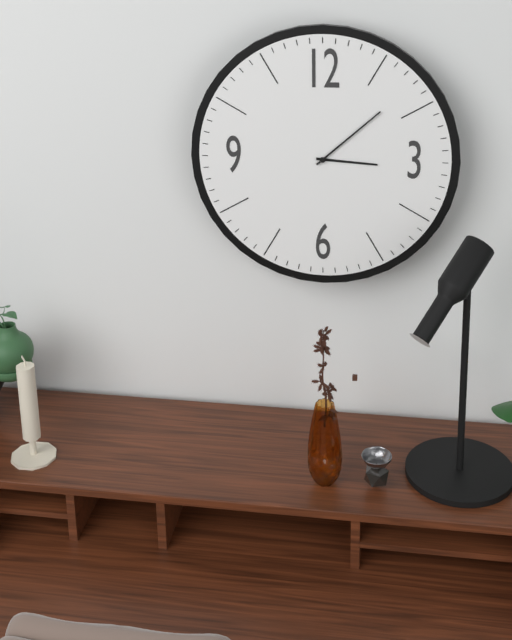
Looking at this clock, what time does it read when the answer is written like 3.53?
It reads 3.08
